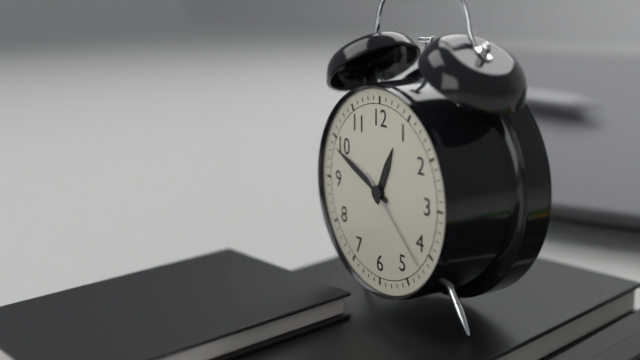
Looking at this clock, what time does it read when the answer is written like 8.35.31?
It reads 12.49.22
